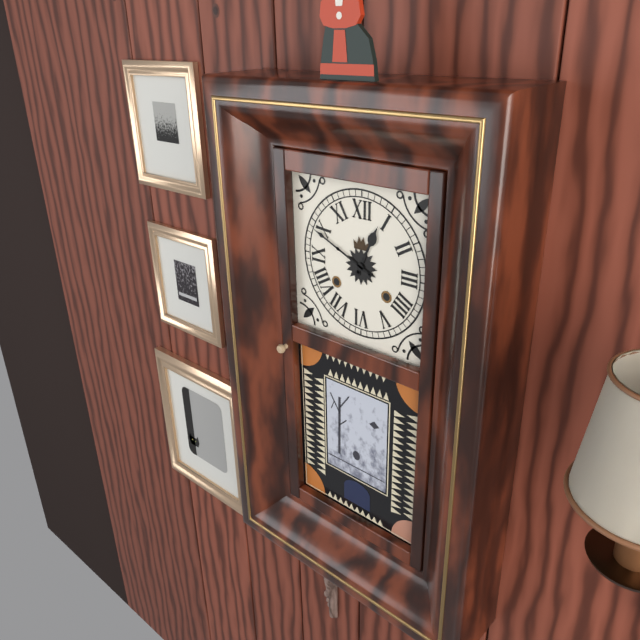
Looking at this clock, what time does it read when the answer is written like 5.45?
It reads 12.49
